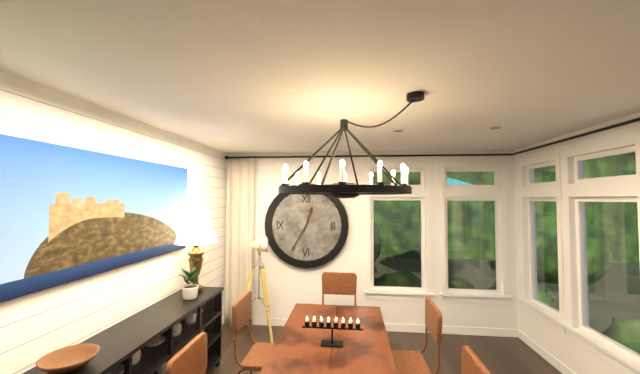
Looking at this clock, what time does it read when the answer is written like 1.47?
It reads 12.35
